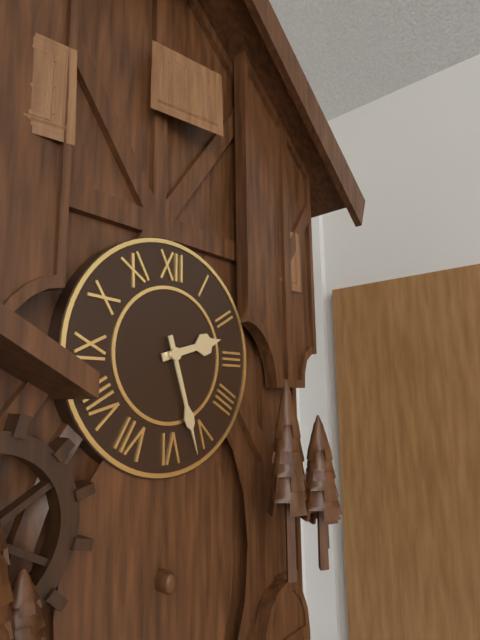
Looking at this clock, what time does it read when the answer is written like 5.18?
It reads 2.27
